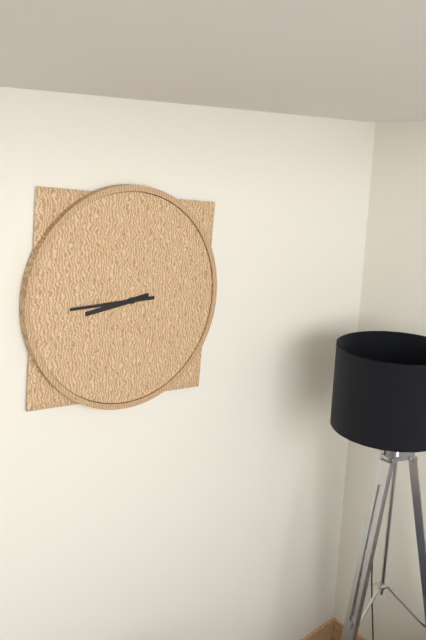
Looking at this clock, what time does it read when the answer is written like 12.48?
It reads 8.45
